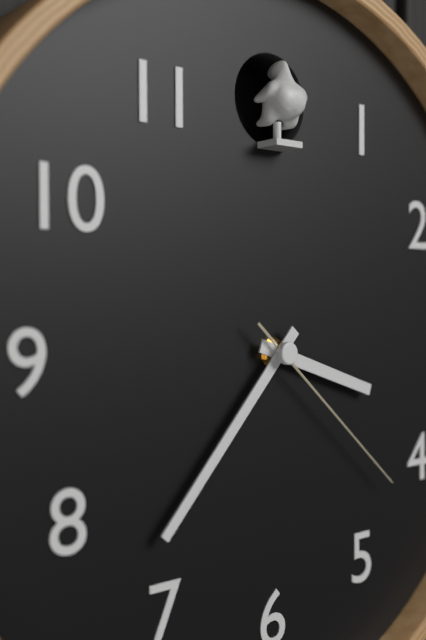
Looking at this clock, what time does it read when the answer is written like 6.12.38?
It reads 3.37.22
